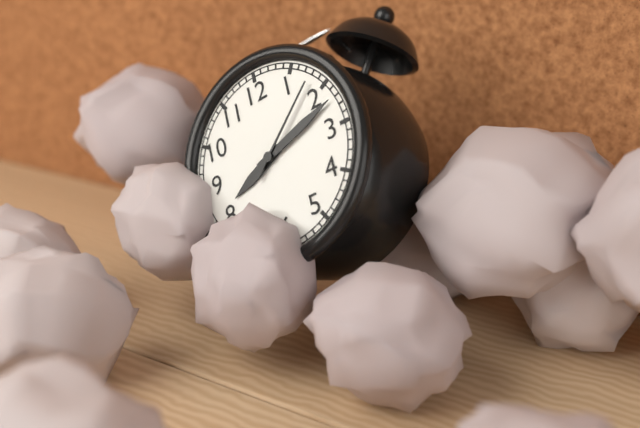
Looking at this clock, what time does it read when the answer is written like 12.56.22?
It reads 8.12.08
